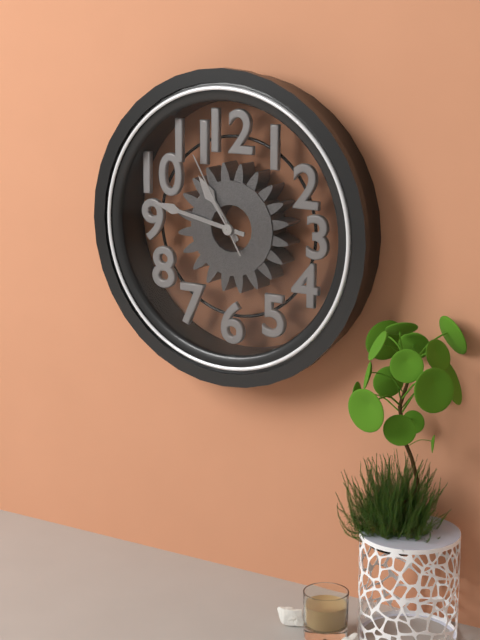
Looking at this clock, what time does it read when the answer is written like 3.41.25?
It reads 10.47.55
